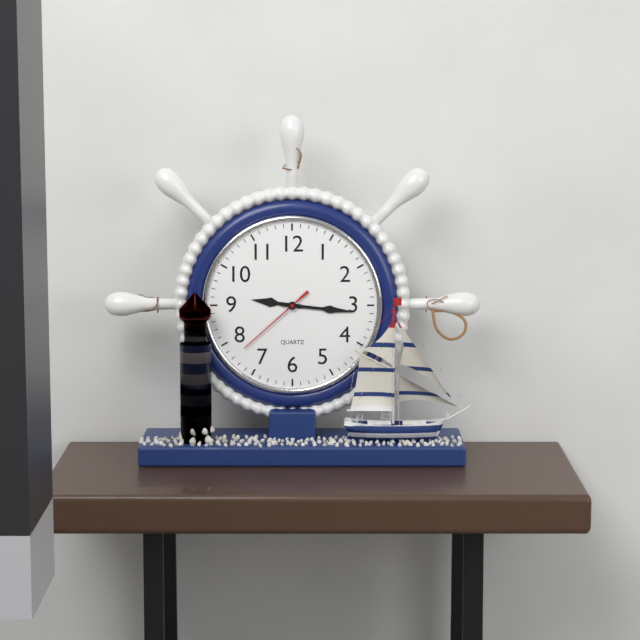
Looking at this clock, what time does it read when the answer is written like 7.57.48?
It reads 9.16.38
